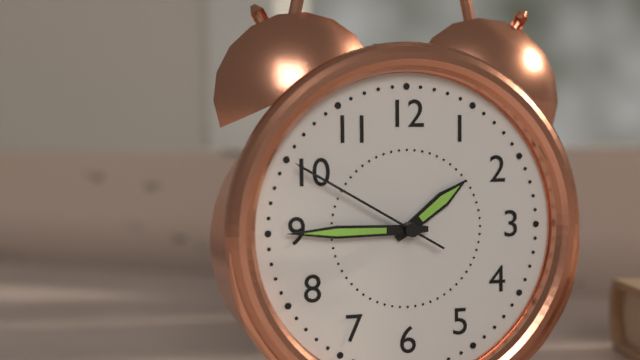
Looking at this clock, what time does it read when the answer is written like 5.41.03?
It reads 1.45.50
